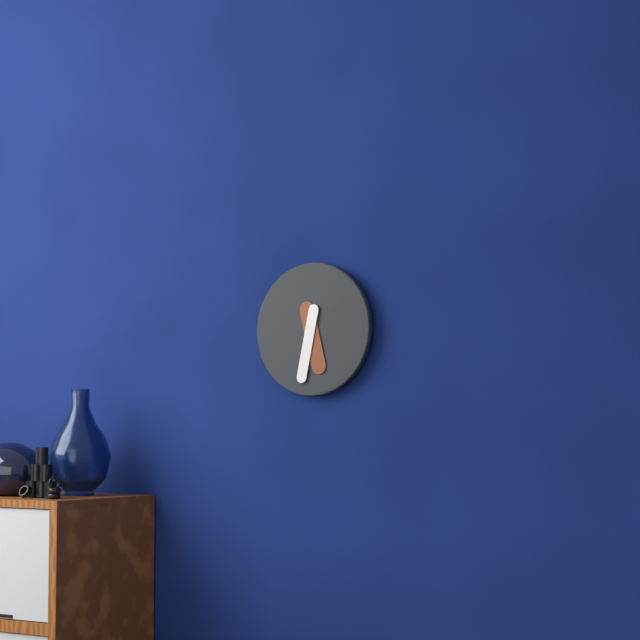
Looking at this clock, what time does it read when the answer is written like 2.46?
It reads 5.32
